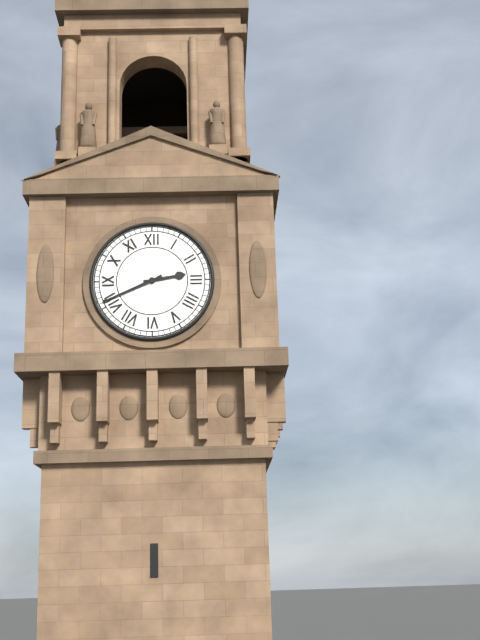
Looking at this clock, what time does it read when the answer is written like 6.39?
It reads 2.41
